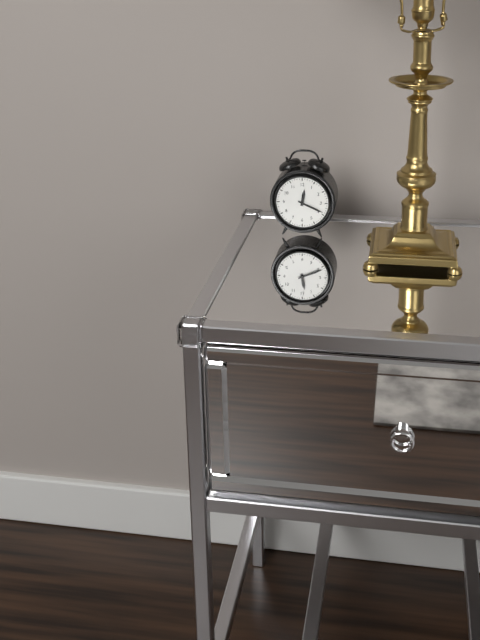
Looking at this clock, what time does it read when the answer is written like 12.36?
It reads 12.19
